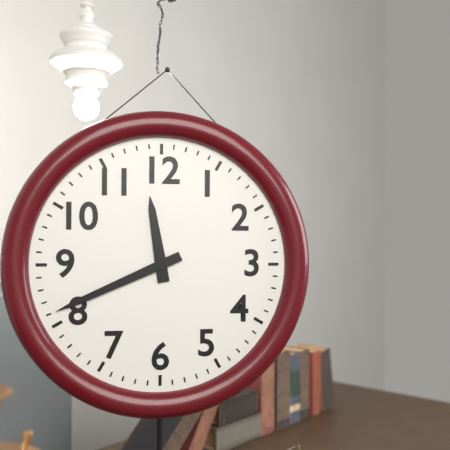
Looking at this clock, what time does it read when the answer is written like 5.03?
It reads 11.41
